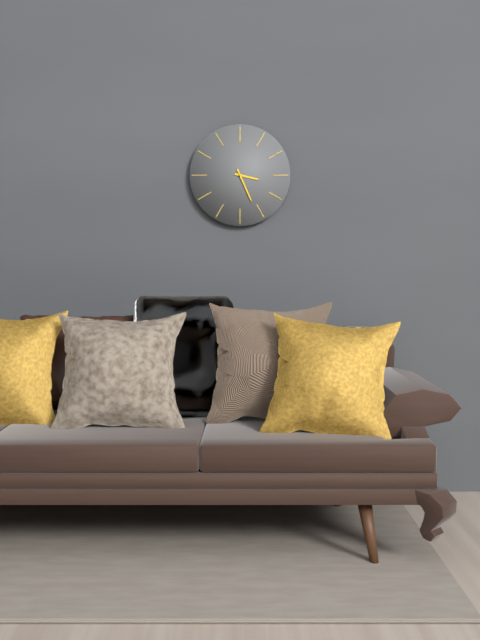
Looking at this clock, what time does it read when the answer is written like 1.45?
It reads 3.26
